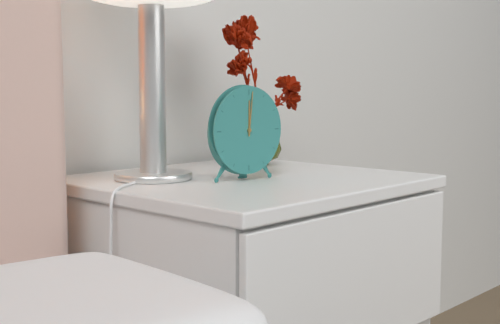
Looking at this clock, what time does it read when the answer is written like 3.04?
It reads 12.01
